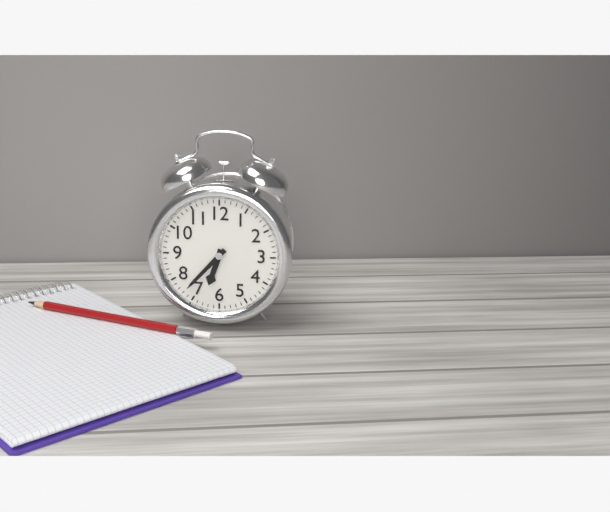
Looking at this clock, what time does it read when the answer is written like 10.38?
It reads 6.37
